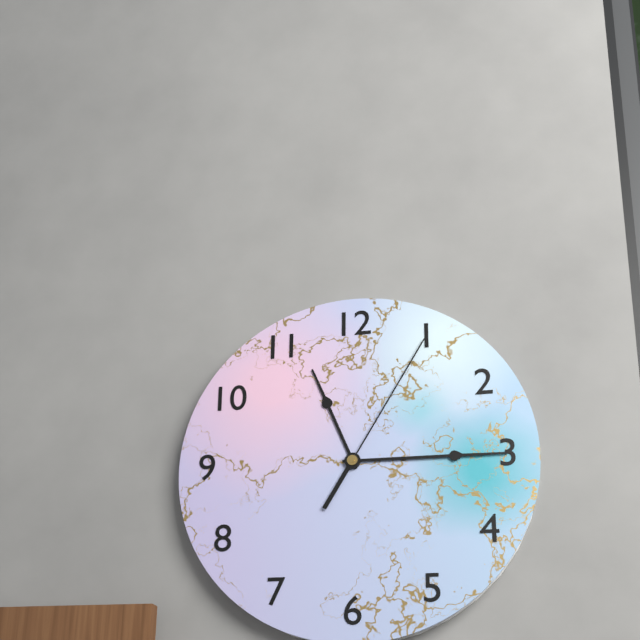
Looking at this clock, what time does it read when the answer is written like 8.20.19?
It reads 11.15.05
